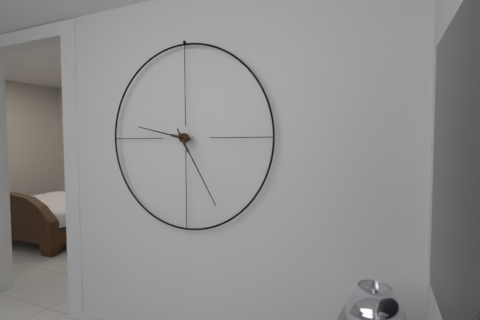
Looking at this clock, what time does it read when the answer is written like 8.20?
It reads 9.25
